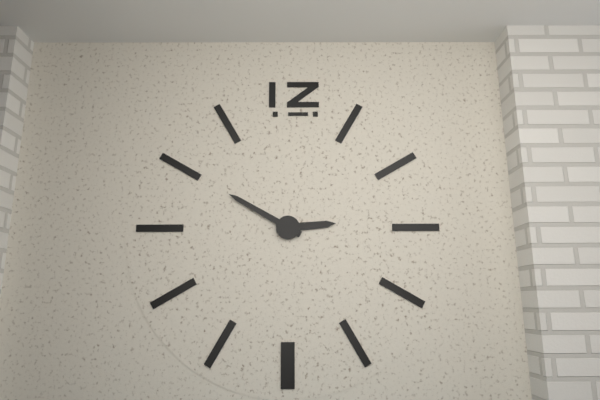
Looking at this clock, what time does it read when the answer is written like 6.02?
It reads 2.50
